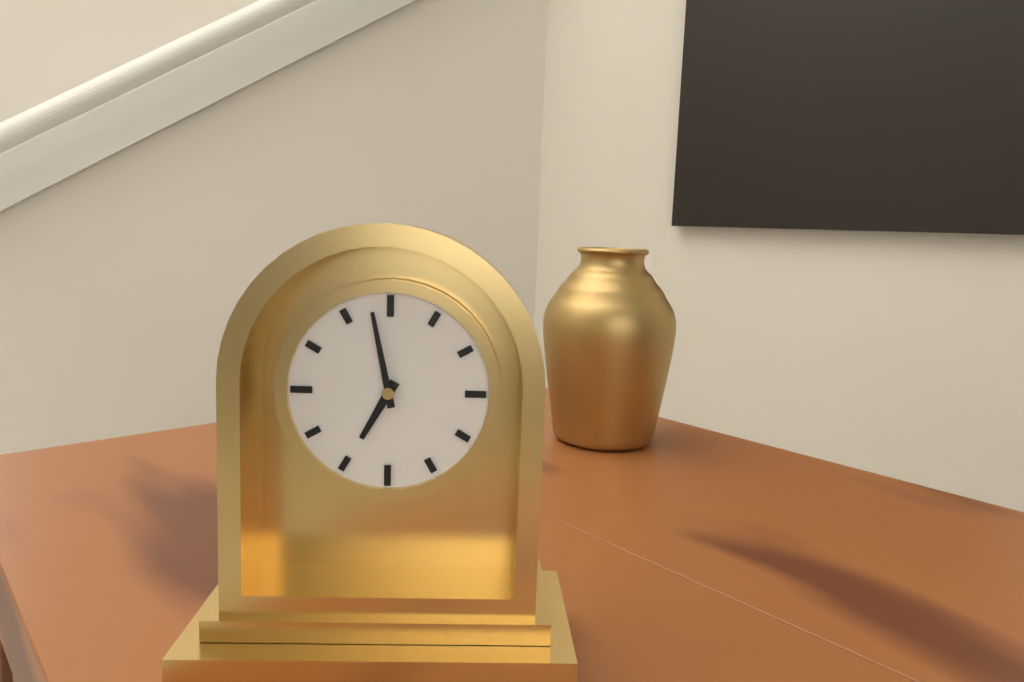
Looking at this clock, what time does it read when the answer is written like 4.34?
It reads 6.58
